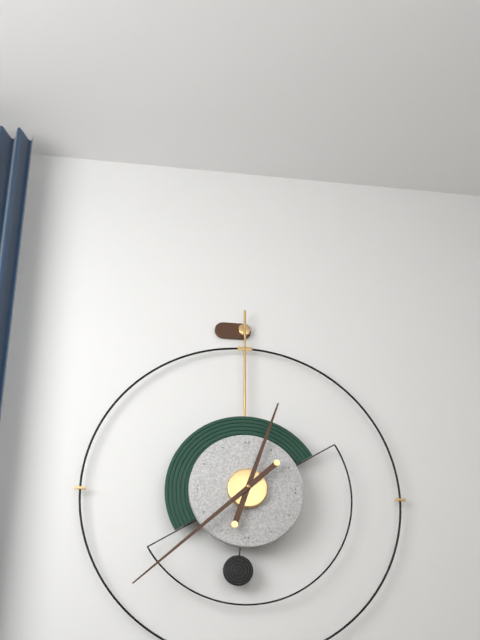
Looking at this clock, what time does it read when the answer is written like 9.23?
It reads 12.38
